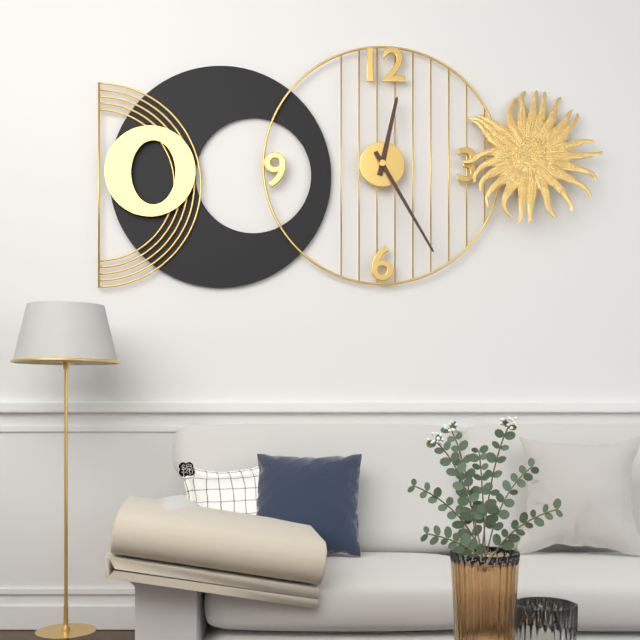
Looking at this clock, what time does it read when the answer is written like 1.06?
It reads 12.25
